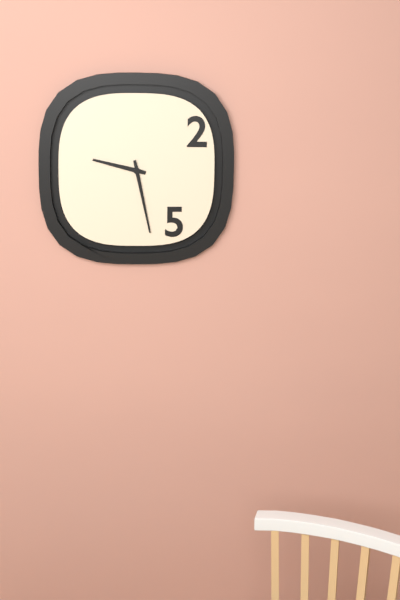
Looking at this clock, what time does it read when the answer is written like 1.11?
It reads 9.28
